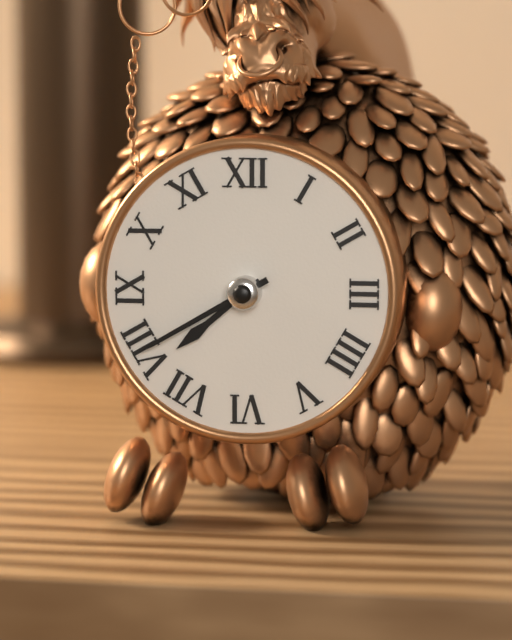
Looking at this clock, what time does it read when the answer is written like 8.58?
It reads 7.40
